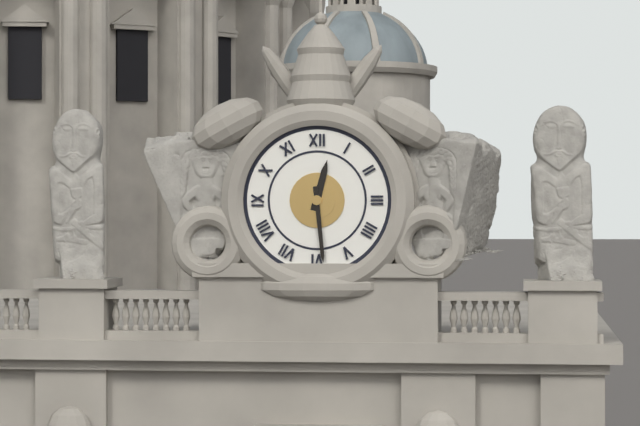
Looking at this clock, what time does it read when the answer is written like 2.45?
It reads 12.29
